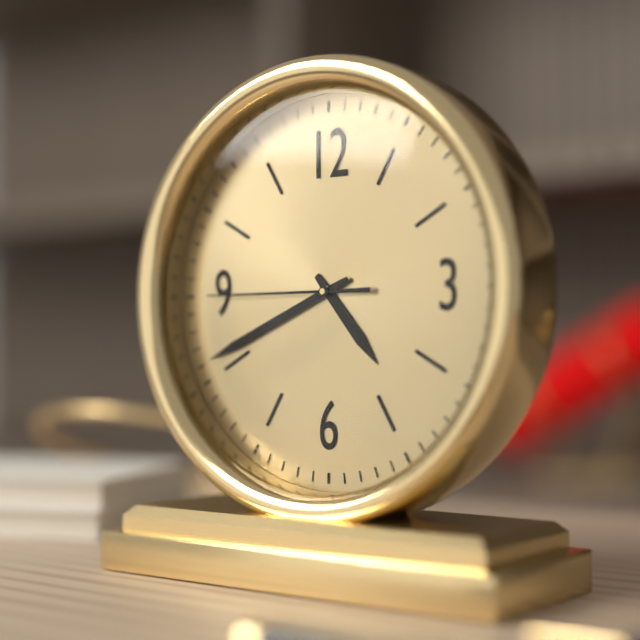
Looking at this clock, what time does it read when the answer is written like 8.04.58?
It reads 4.41.45
